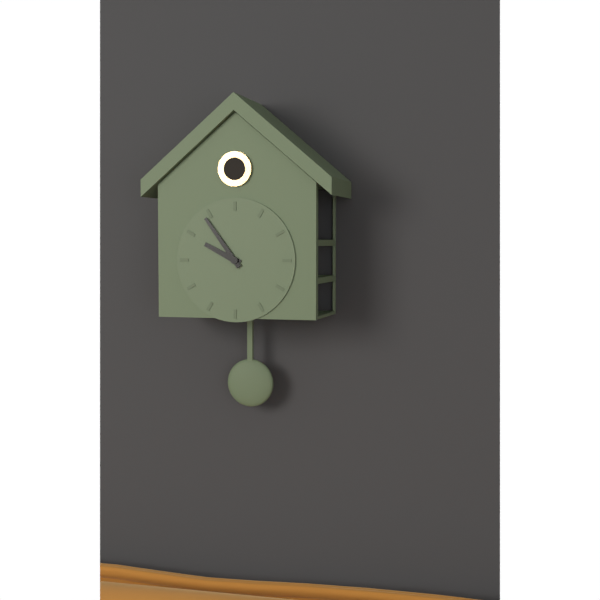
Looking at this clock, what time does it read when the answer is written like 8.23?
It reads 9.54
